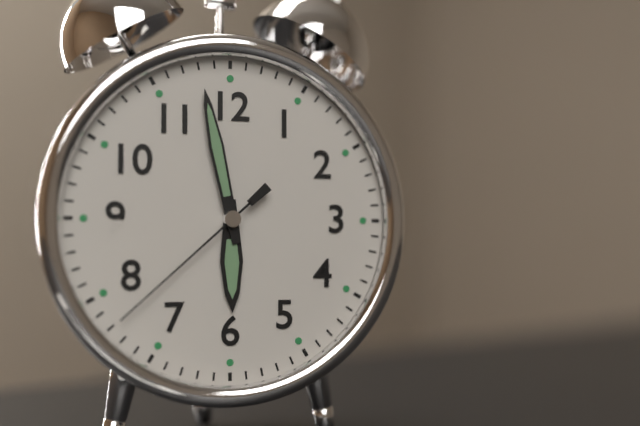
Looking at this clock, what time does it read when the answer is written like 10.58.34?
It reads 5.58.38
